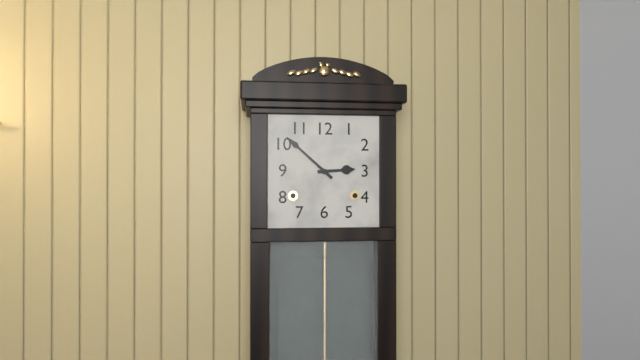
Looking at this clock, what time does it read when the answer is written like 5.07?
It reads 2.52
